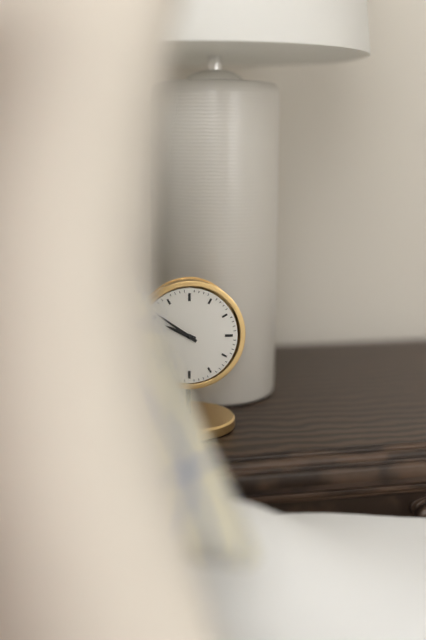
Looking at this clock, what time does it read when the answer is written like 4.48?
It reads 9.51
